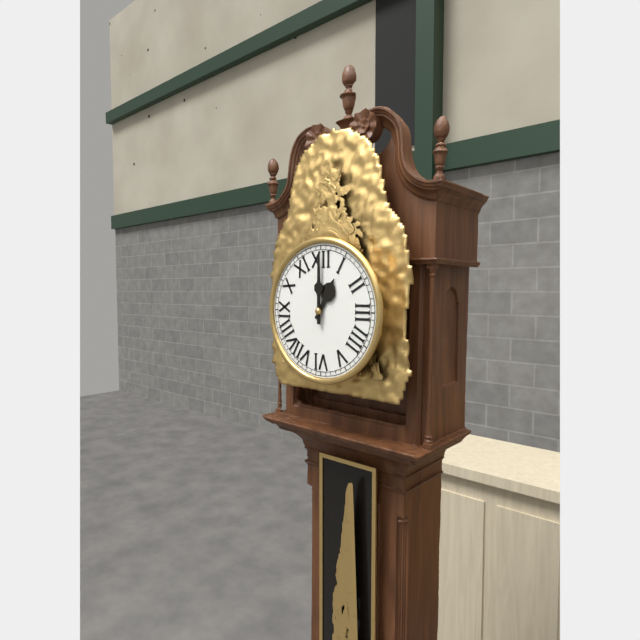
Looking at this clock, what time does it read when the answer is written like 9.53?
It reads 1.00
